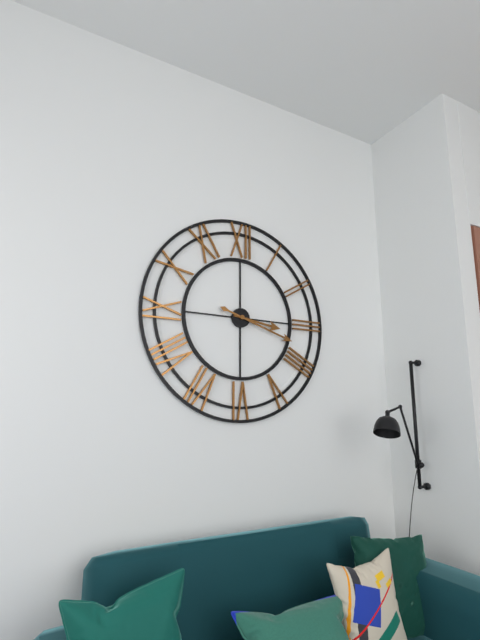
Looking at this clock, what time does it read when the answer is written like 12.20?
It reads 3.18
